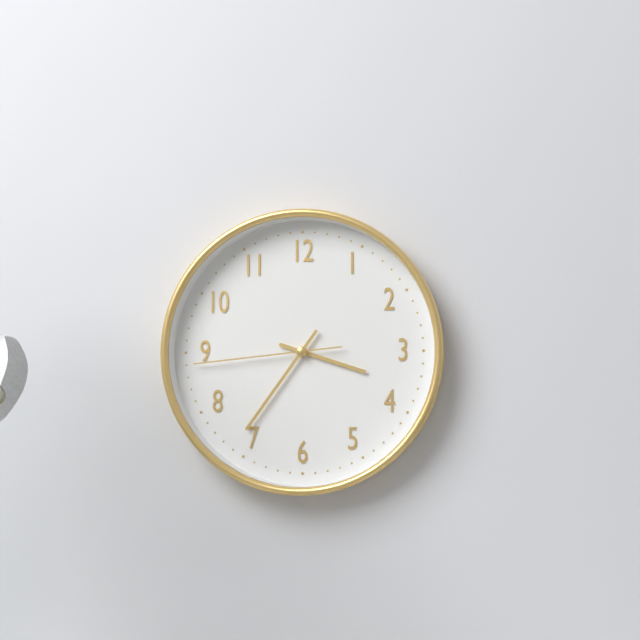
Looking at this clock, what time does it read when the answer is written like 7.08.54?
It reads 3.36.44
